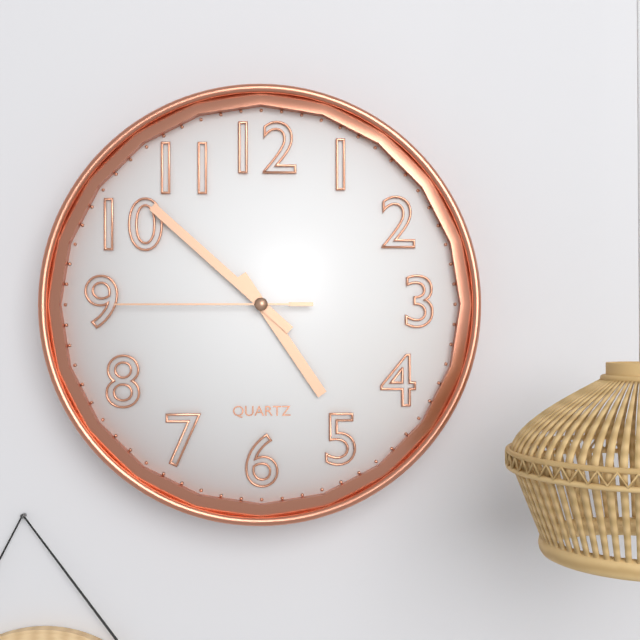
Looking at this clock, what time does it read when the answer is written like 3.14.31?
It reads 4.52.45
